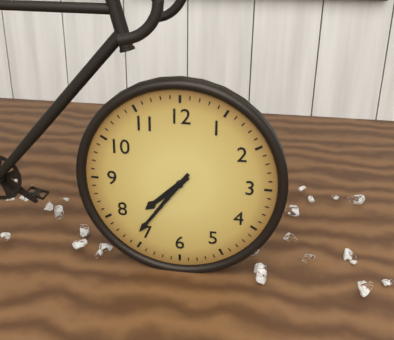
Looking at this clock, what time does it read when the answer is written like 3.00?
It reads 7.36
